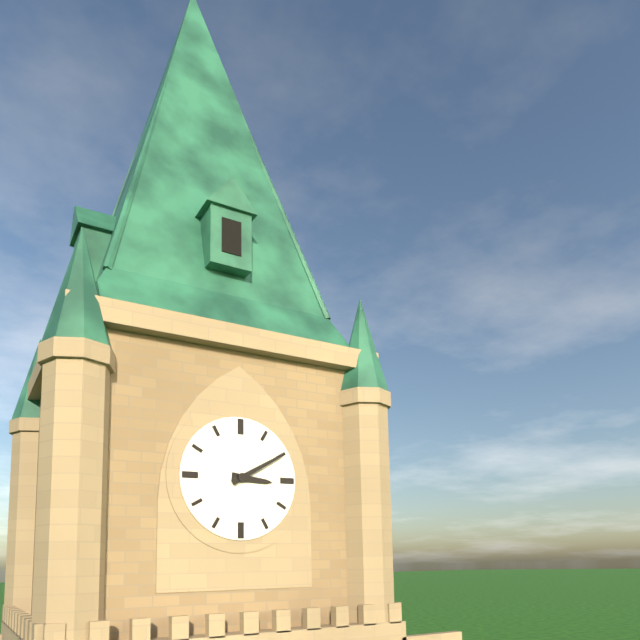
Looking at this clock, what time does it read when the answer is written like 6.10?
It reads 3.10
